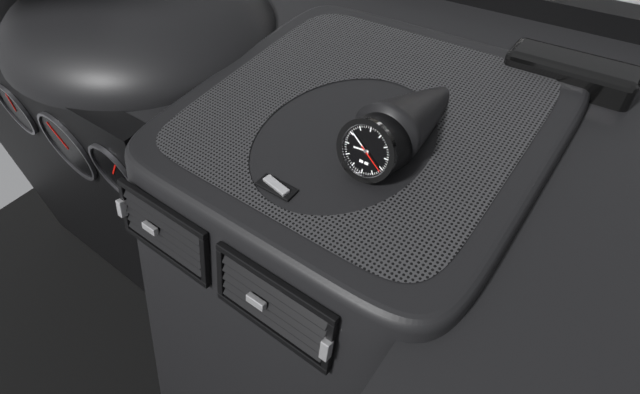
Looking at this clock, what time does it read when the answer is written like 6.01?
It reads 8.51
